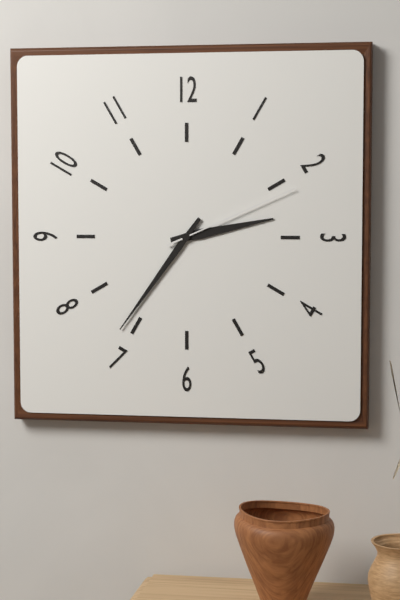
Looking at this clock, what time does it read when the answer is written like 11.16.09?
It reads 2.36.11
